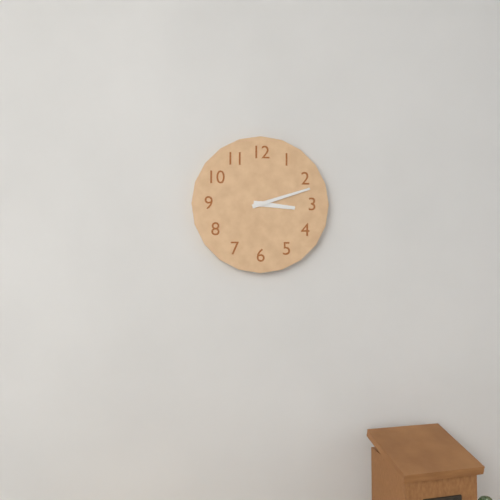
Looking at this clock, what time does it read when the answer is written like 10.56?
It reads 3.12
